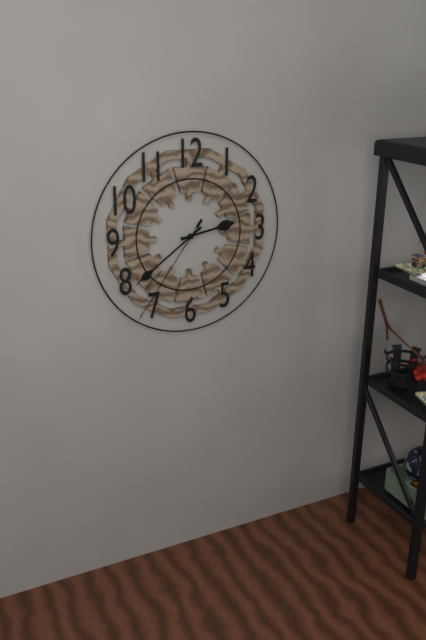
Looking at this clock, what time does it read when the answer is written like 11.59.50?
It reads 2.39.36
